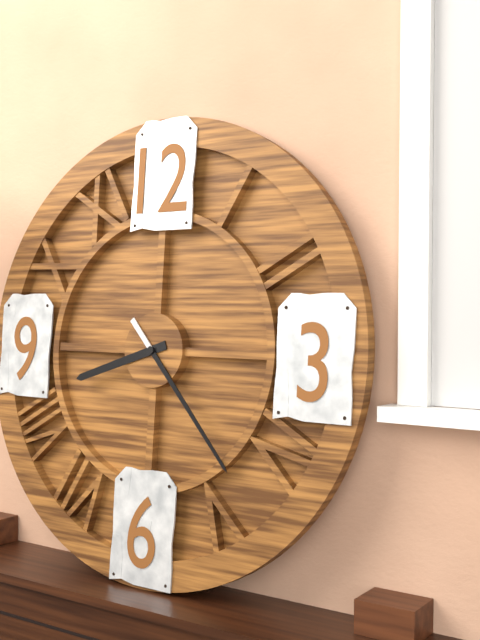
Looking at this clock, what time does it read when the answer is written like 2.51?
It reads 8.23
